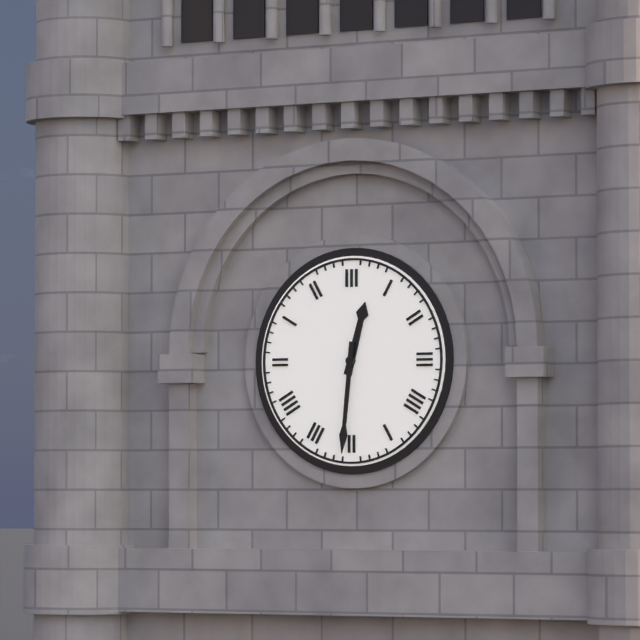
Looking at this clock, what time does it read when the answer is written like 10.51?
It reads 12.31
